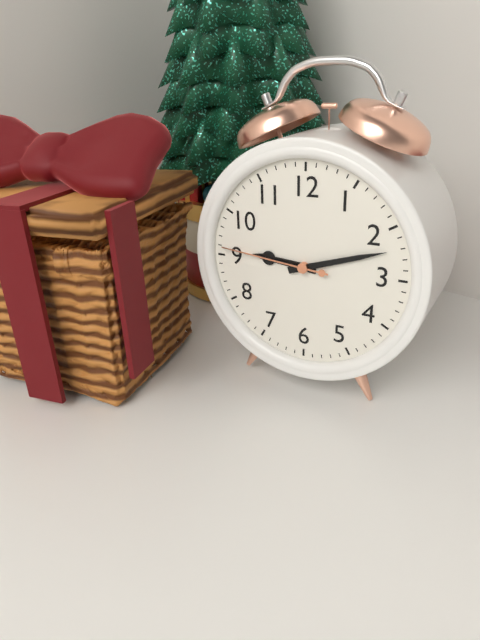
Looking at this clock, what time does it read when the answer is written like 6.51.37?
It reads 9.12.46
